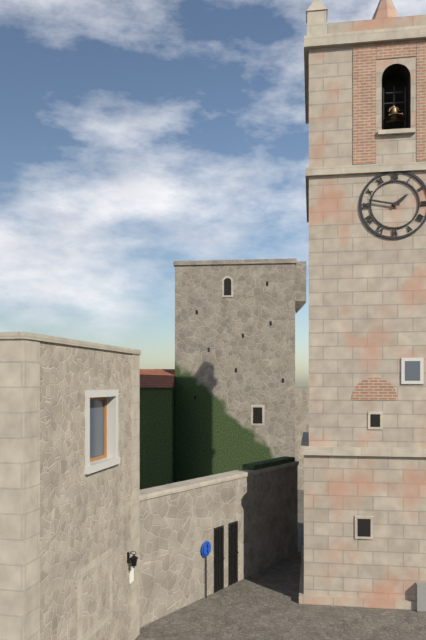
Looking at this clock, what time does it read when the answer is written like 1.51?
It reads 1.47
